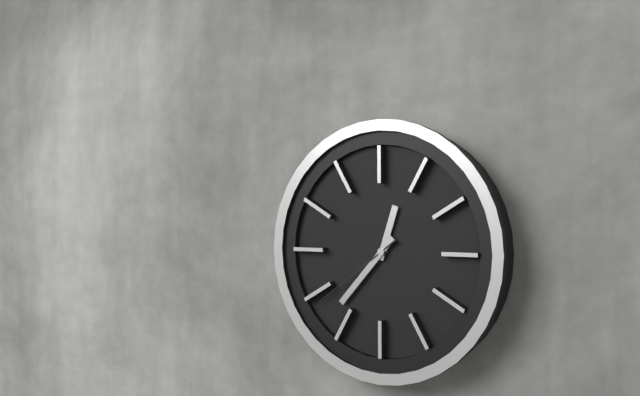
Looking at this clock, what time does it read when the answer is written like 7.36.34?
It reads 12.37.39
